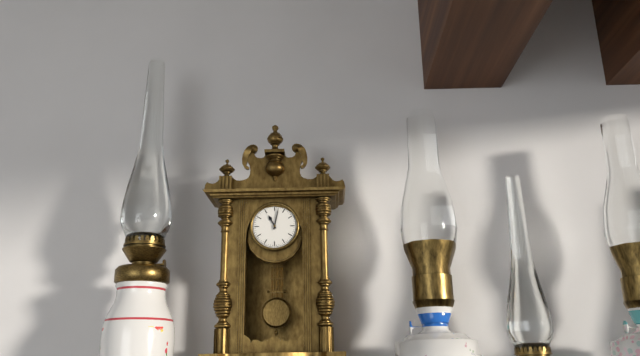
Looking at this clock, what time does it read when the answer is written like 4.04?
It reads 11.02
